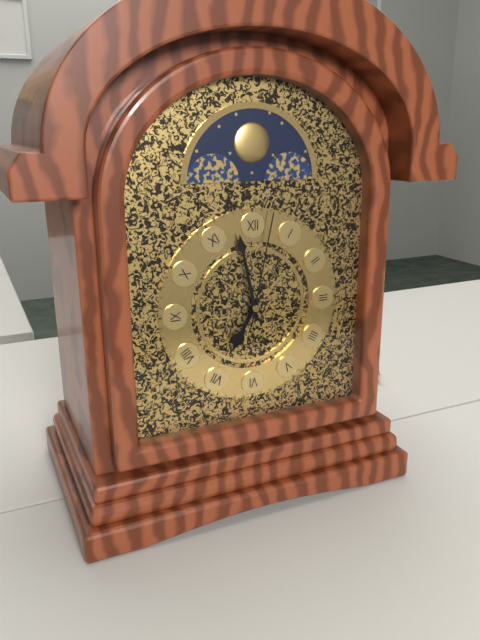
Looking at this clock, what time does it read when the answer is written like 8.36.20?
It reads 6.58.02
